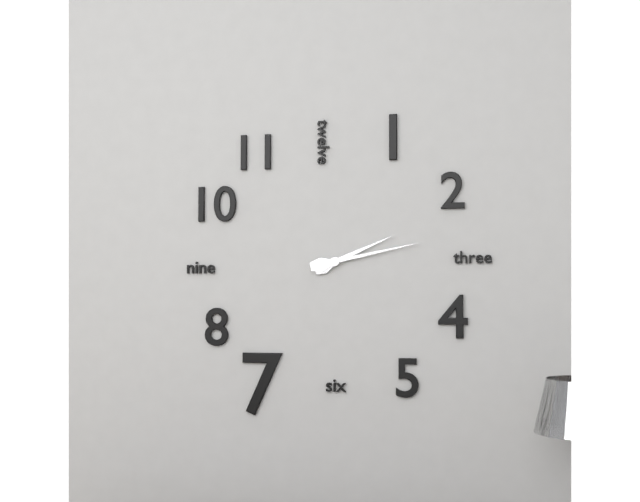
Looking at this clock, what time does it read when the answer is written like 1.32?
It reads 2.13
